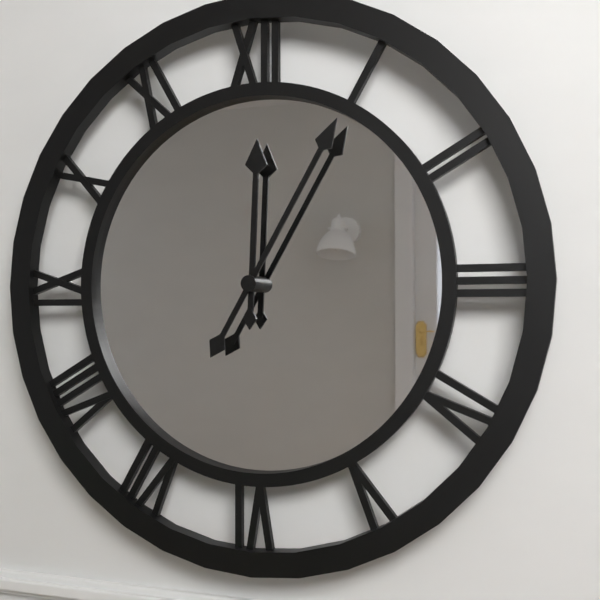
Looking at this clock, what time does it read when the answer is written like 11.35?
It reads 12.05
